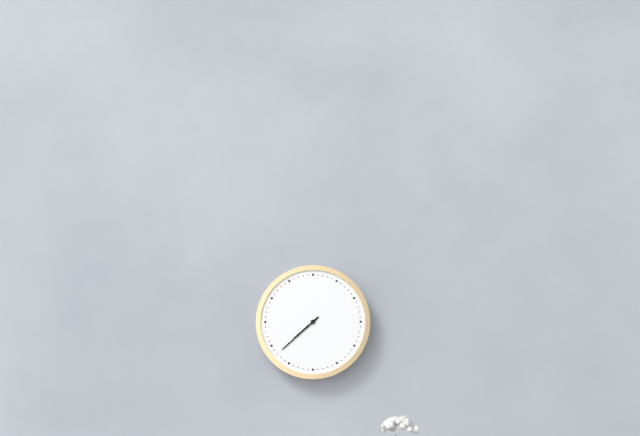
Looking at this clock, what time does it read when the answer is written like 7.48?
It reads 7.38
